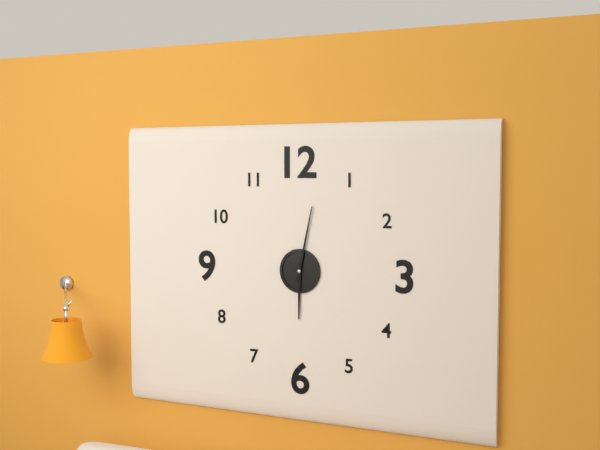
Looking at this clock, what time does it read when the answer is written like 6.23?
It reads 6.02
